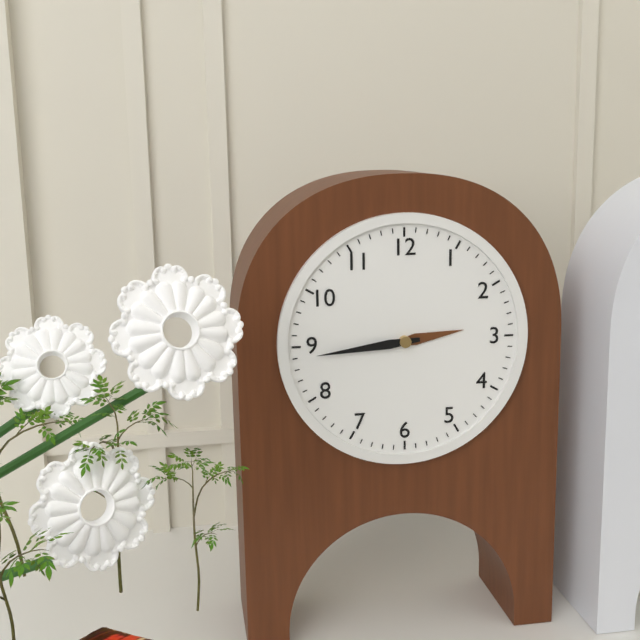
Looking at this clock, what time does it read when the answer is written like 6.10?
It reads 2.44
